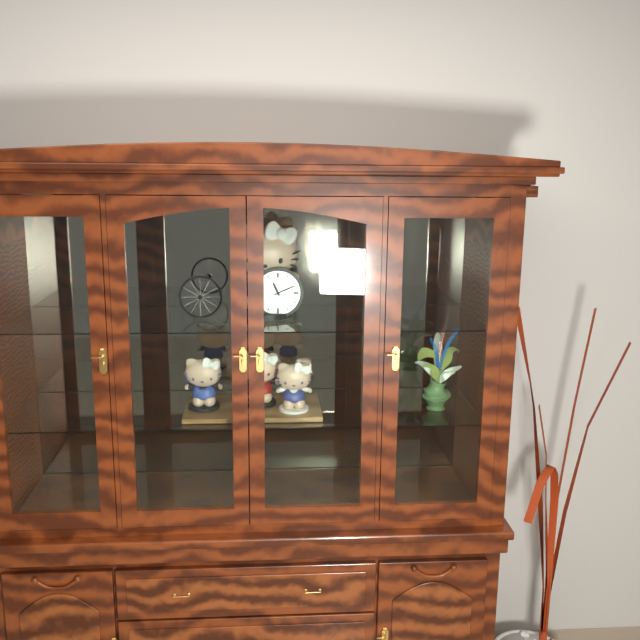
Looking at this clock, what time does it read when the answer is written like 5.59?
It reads 11.11
